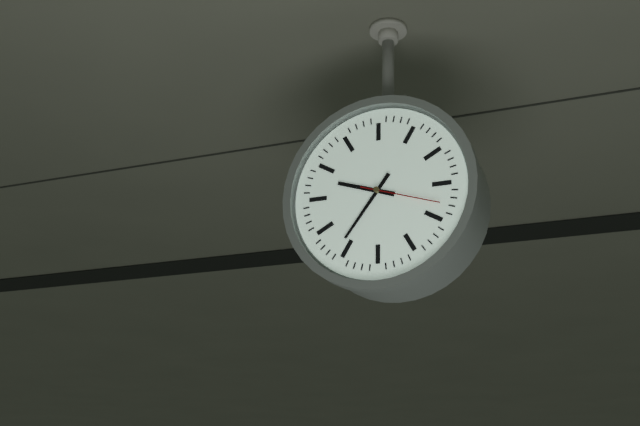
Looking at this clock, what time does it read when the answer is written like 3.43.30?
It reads 9.36.18
